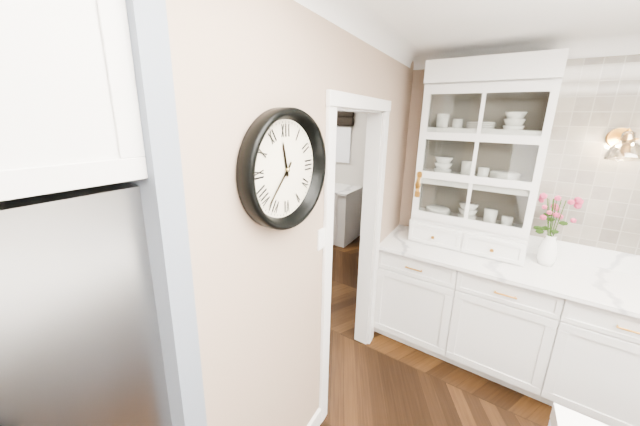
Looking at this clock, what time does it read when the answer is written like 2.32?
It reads 11.37
